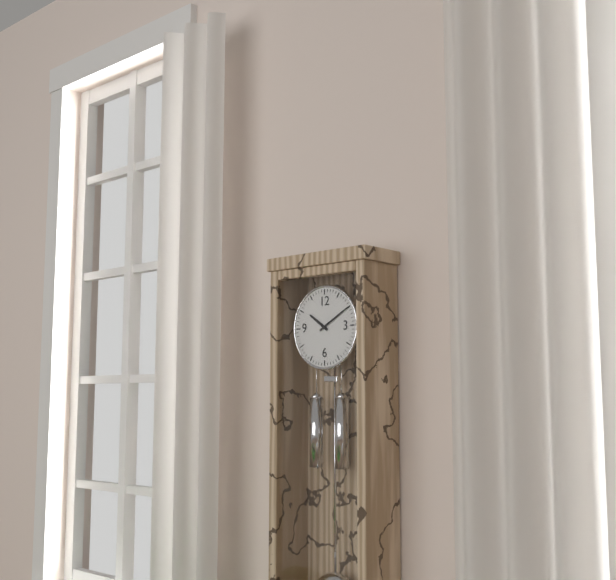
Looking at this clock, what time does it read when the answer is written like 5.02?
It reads 10.10
